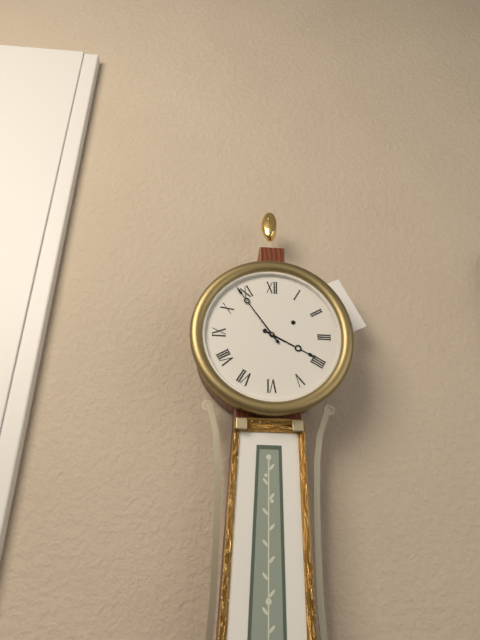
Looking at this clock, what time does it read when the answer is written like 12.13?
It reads 3.54
